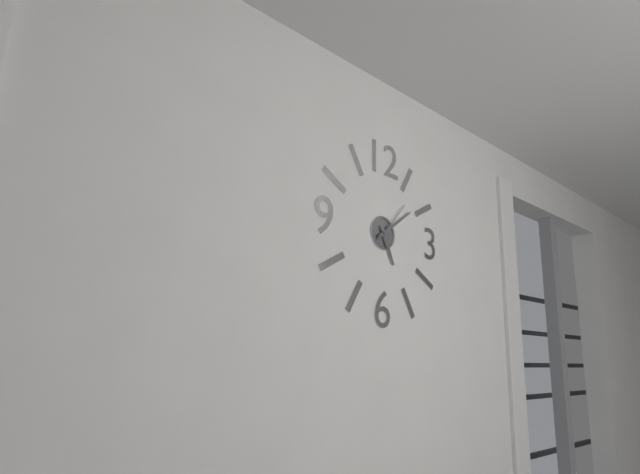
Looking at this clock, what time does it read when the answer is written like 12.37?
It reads 5.09
